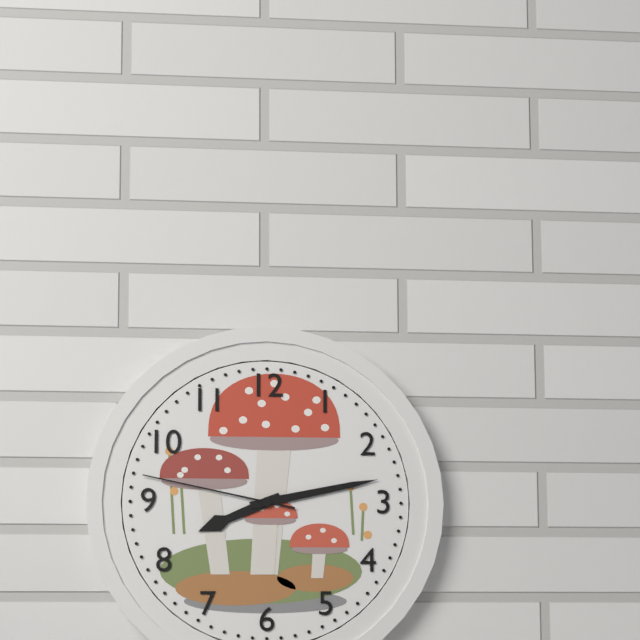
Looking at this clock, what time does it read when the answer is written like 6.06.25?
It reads 8.13.47
